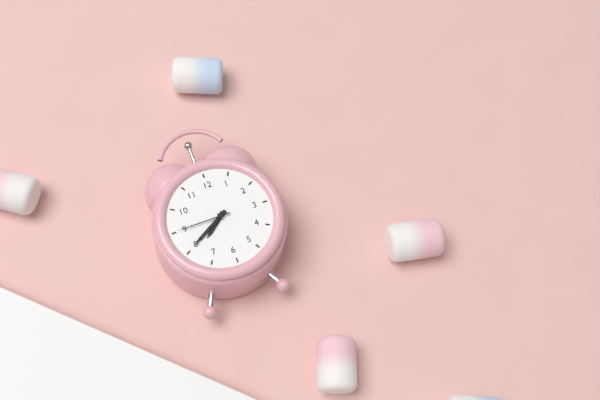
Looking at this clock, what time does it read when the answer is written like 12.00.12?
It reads 7.40.45
